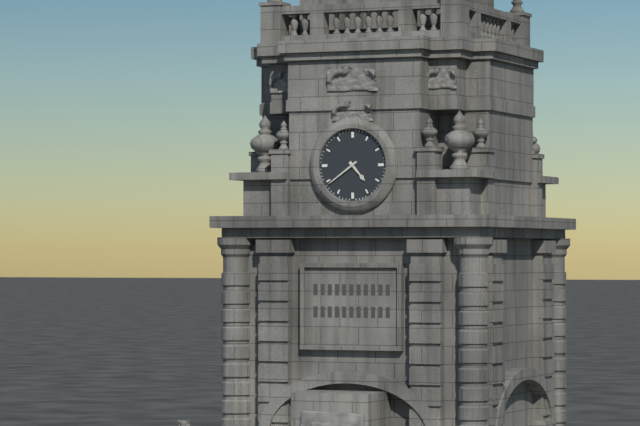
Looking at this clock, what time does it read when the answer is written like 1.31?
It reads 4.39
